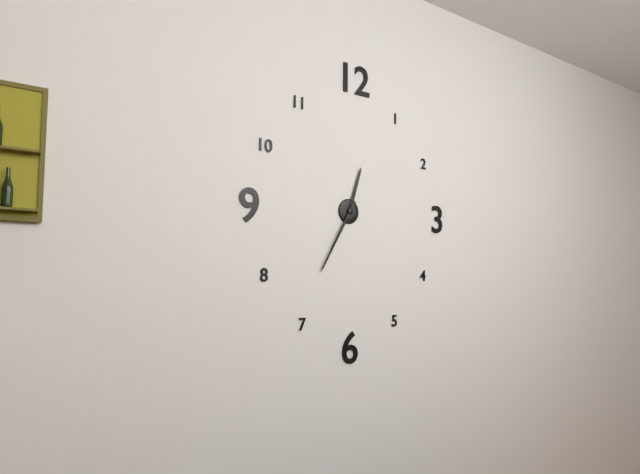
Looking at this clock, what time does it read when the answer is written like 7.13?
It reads 12.35
